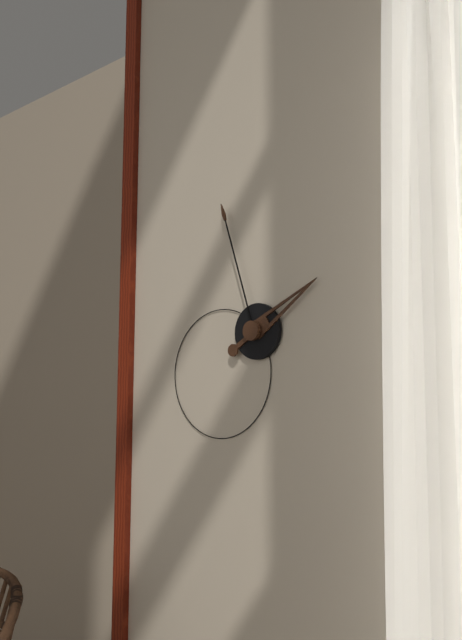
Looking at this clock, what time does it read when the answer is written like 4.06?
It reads 1.57
